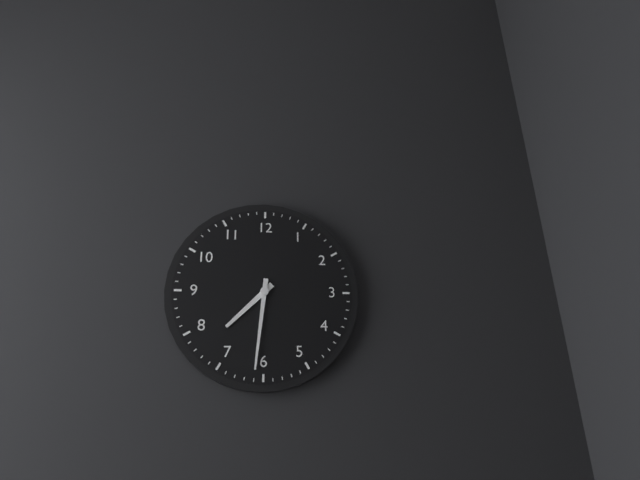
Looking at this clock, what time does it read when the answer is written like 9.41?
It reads 7.31
